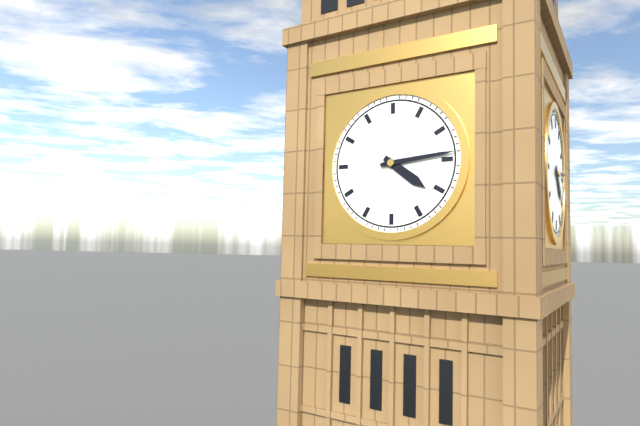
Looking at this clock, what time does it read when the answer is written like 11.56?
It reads 4.14
